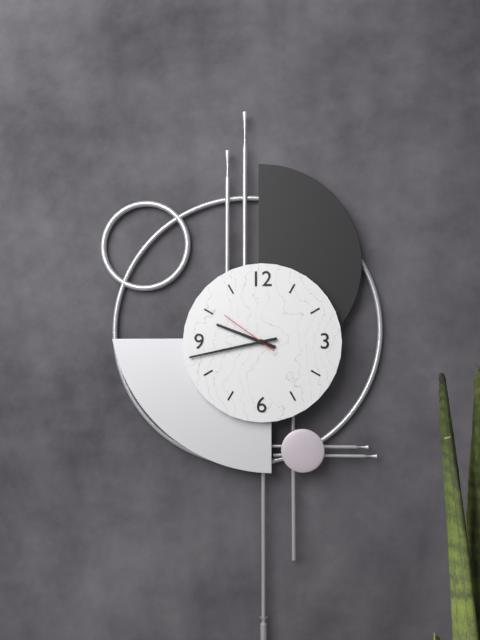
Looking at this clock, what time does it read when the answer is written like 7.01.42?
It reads 9.43.51
